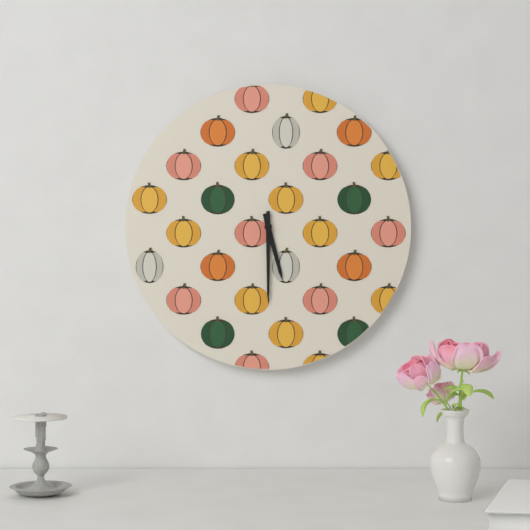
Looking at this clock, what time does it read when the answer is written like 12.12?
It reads 5.30
